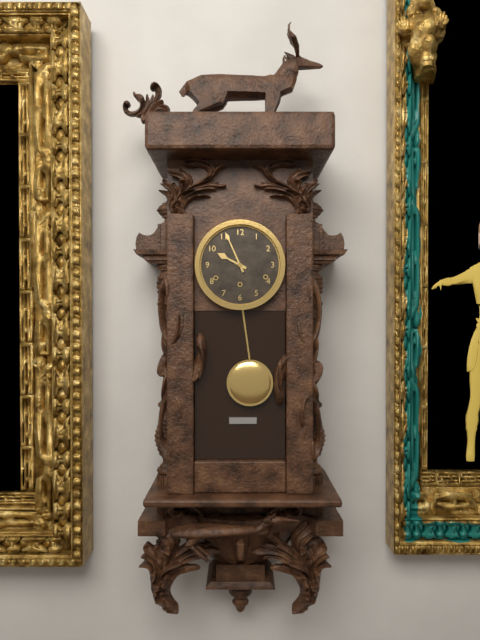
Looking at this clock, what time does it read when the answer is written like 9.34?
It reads 9.56
